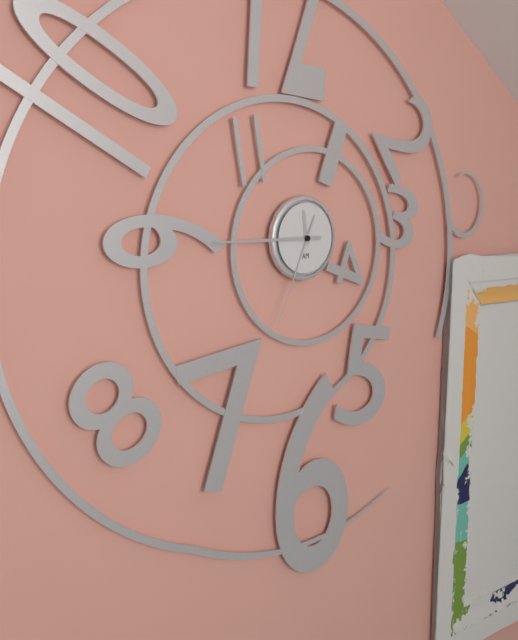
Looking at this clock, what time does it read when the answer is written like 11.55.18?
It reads 11.45.34
